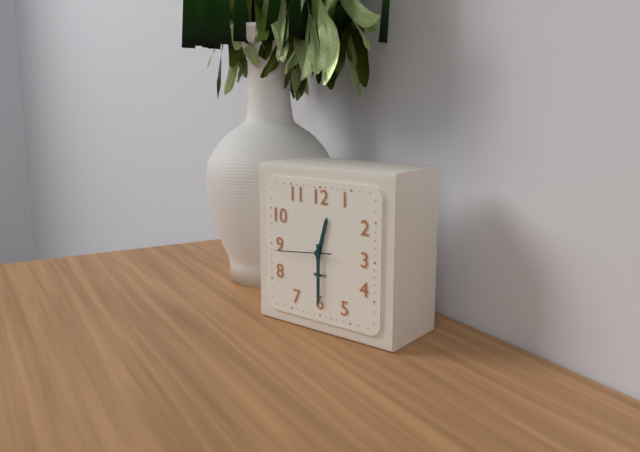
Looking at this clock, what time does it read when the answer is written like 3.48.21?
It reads 12.30.44
